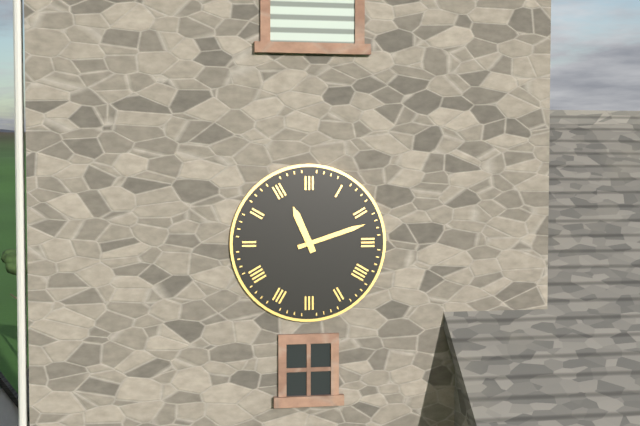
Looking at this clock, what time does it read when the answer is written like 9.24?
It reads 11.12
